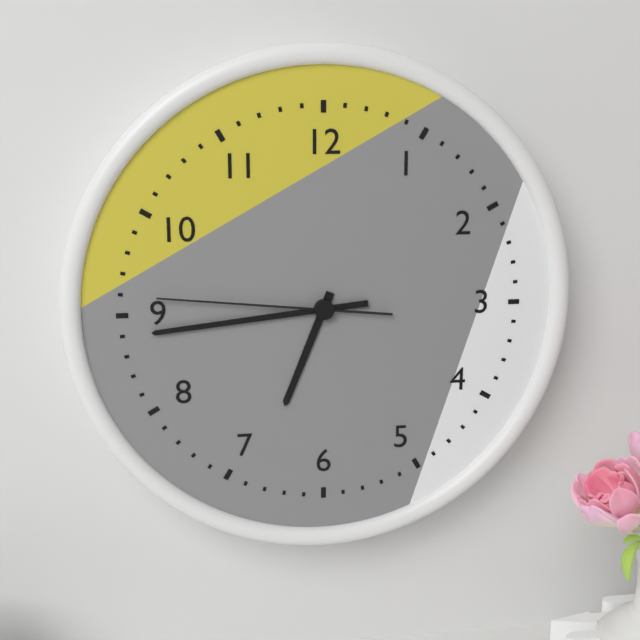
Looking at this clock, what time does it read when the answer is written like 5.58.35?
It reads 6.44.46
